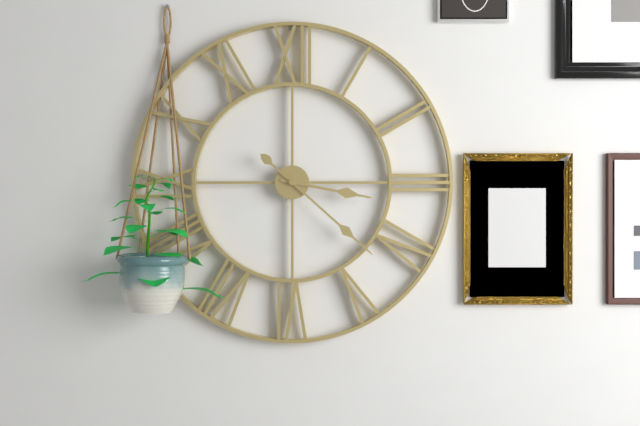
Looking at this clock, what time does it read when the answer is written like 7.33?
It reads 3.22
